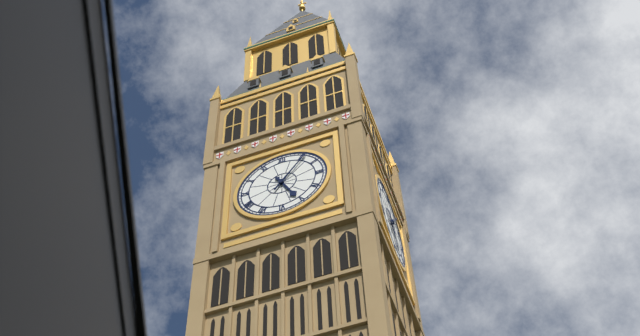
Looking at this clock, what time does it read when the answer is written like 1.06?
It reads 5.06
